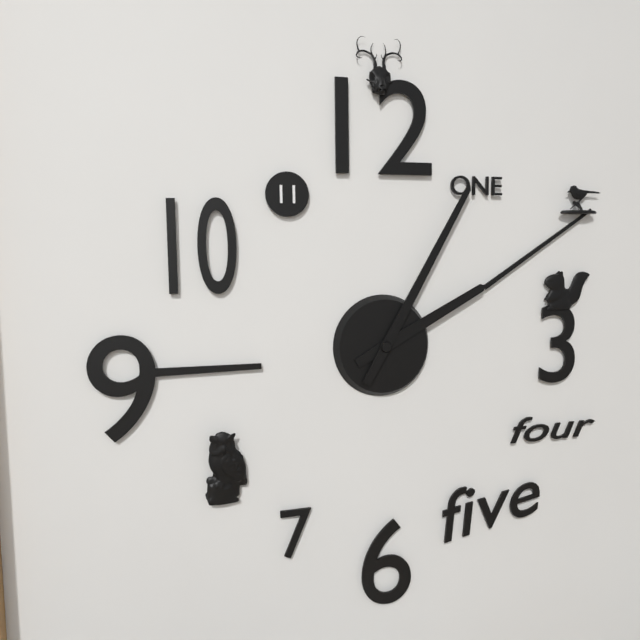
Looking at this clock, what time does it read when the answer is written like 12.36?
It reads 2.05
